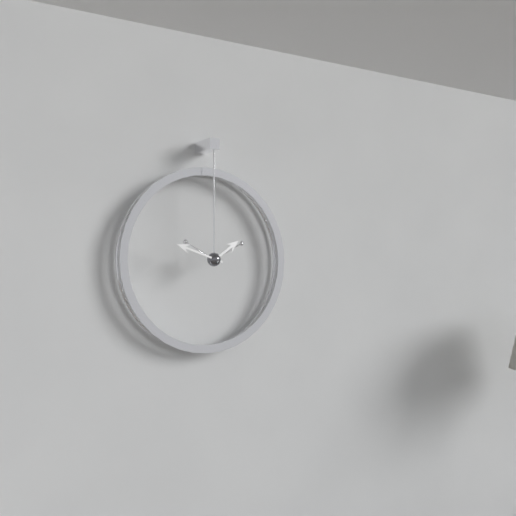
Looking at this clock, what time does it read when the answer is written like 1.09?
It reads 1.48
